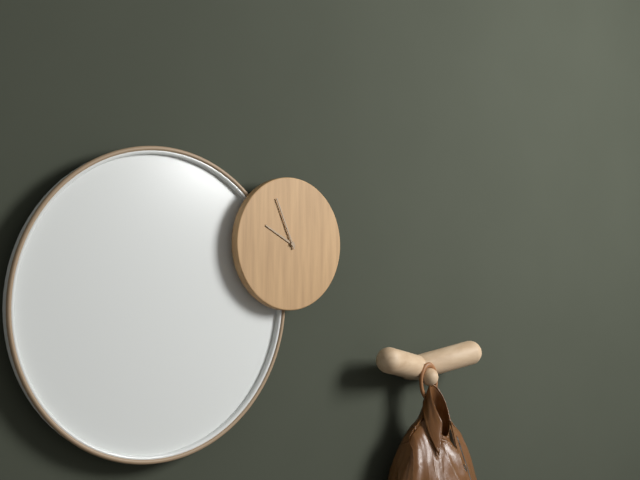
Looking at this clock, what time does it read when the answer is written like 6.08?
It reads 9.56
